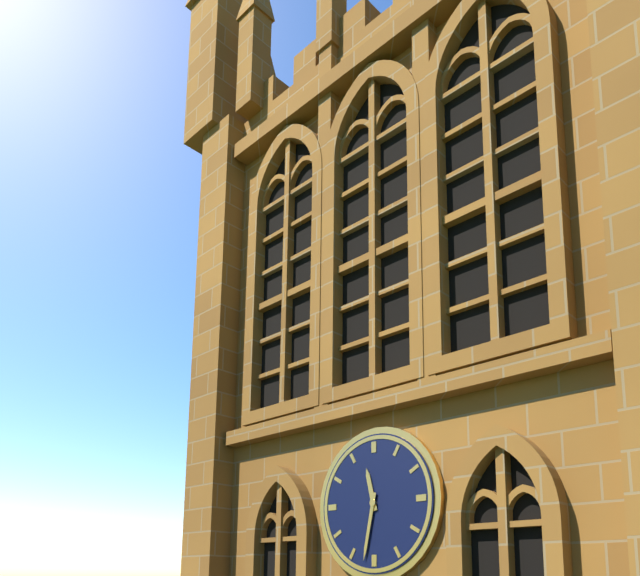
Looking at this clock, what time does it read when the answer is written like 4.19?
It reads 11.32
